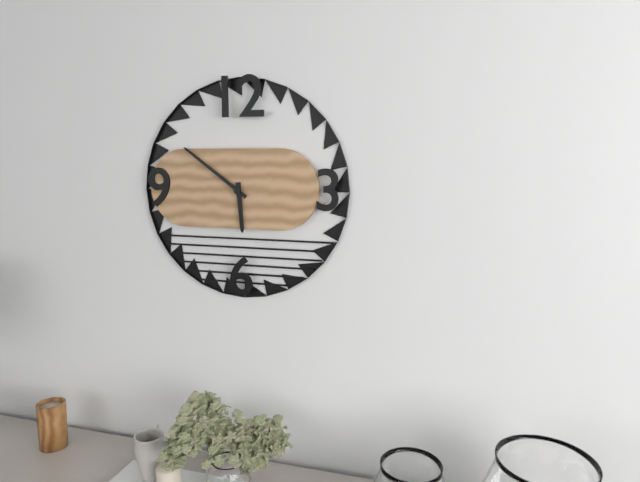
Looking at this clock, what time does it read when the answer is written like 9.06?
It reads 5.51
